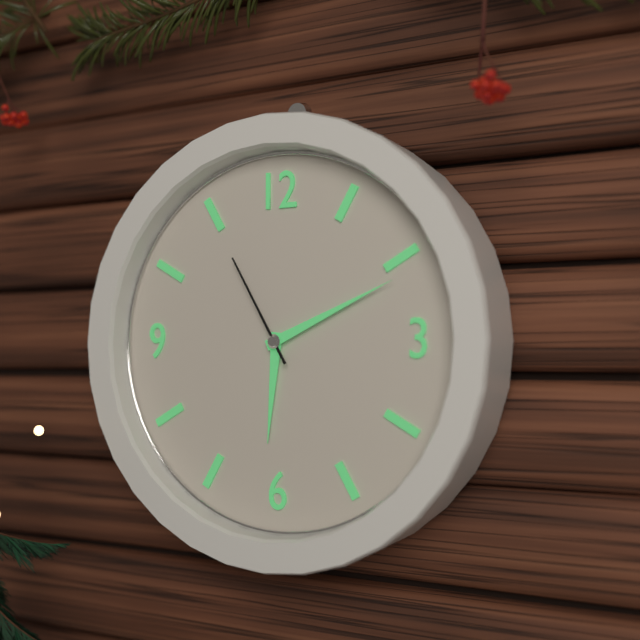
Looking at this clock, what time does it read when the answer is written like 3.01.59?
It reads 6.11.55
